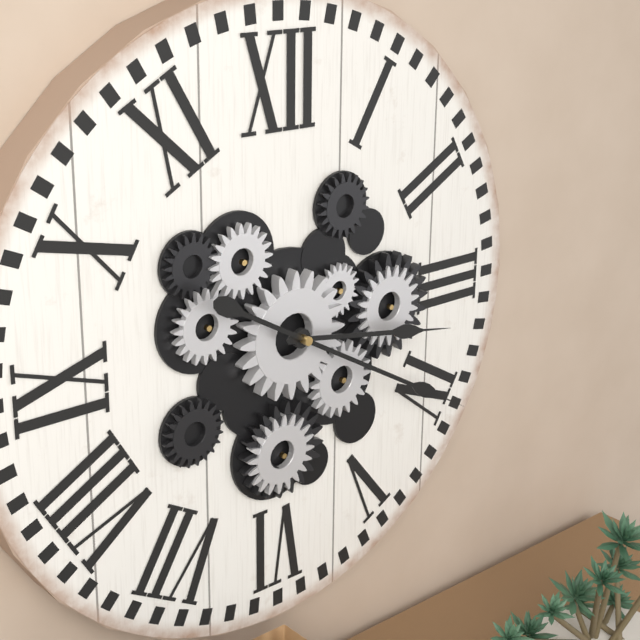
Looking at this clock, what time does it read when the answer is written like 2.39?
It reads 3.20
